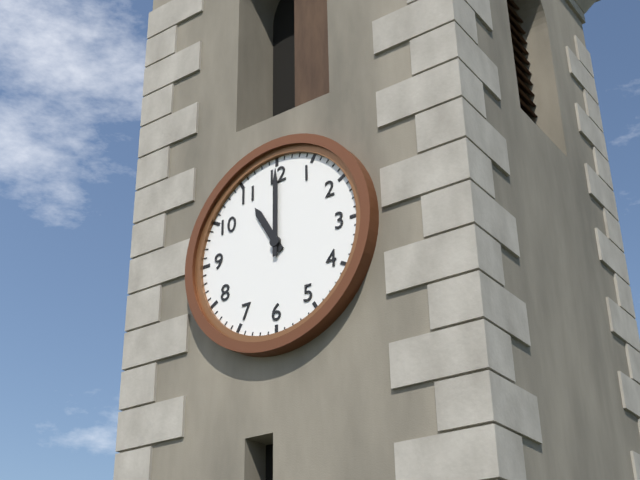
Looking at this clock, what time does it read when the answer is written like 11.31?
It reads 11.00
